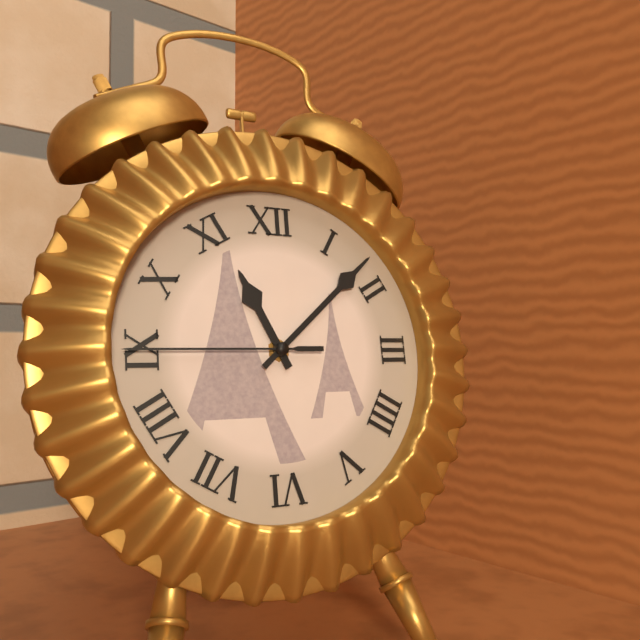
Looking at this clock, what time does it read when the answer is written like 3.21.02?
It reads 11.08.45
